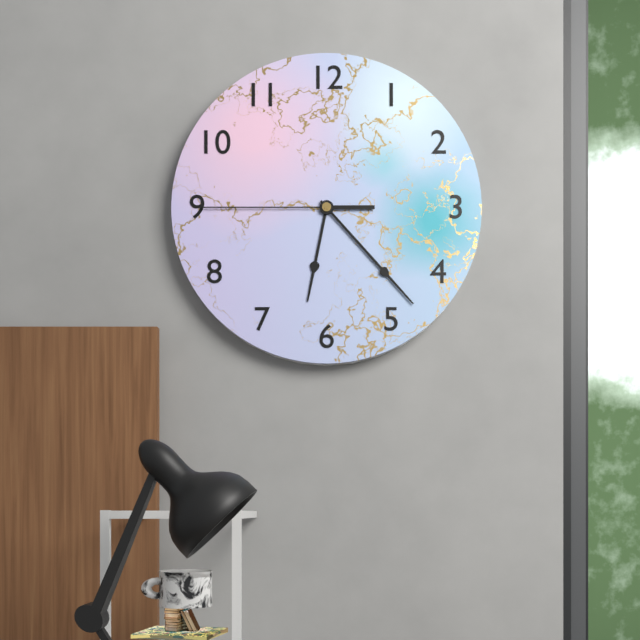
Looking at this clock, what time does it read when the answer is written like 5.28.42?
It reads 6.23.45
